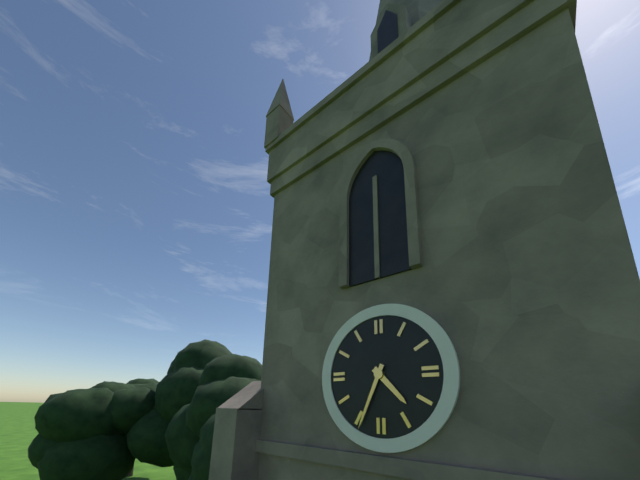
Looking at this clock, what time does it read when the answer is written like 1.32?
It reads 4.34
